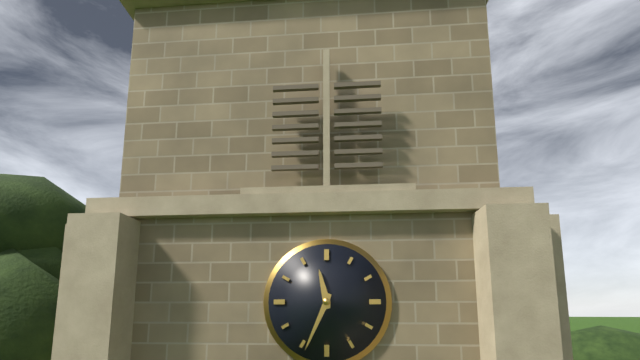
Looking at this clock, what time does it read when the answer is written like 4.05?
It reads 11.34
